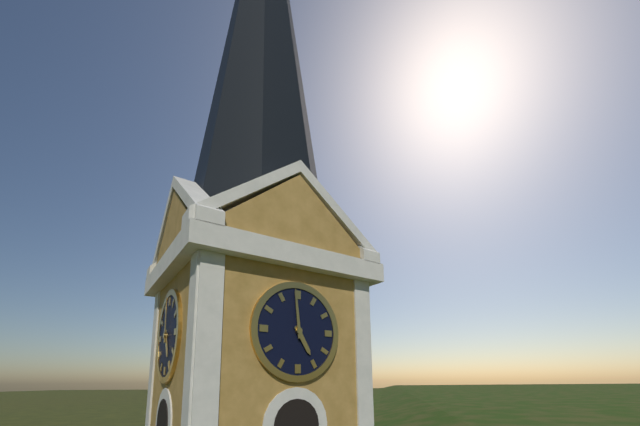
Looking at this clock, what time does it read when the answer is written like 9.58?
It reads 4.59
